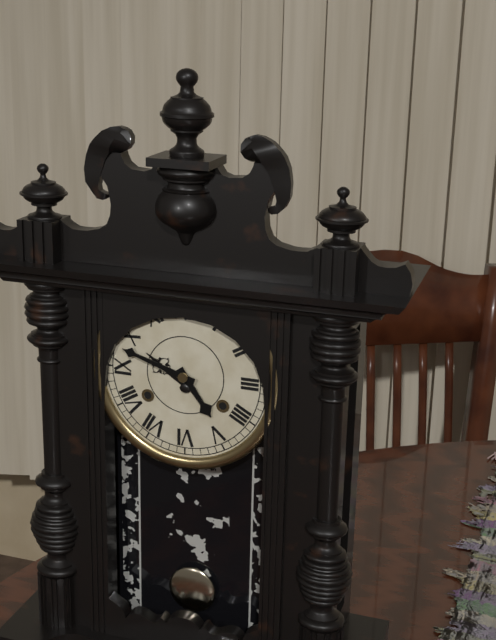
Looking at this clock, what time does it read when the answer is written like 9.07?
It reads 4.48
